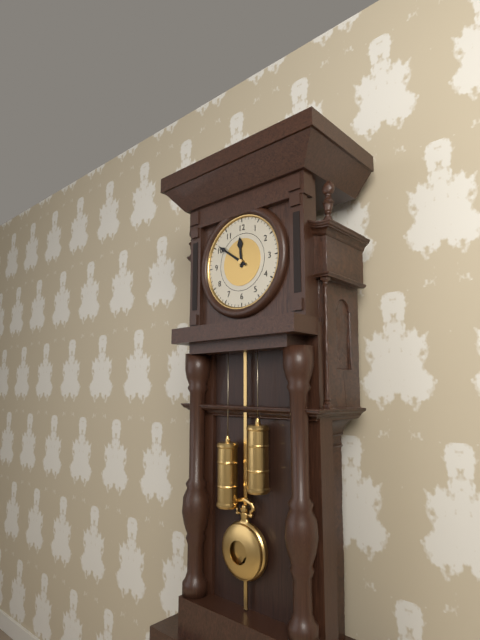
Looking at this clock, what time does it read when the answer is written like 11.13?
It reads 11.51
